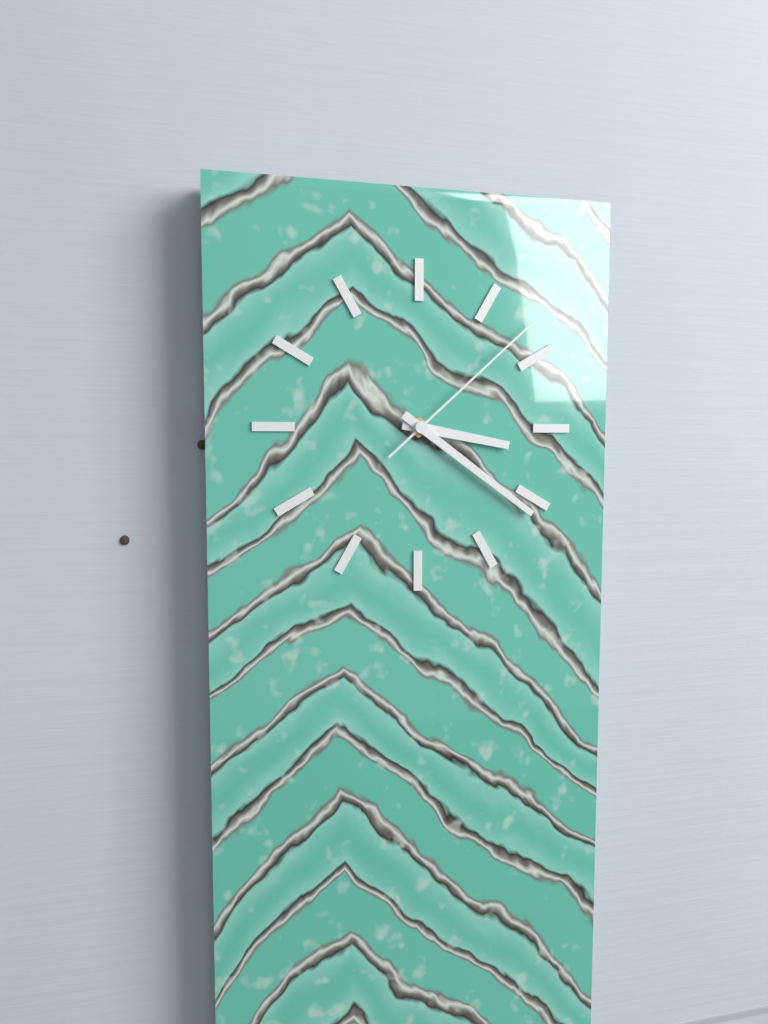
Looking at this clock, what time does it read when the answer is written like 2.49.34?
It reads 3.21.08
